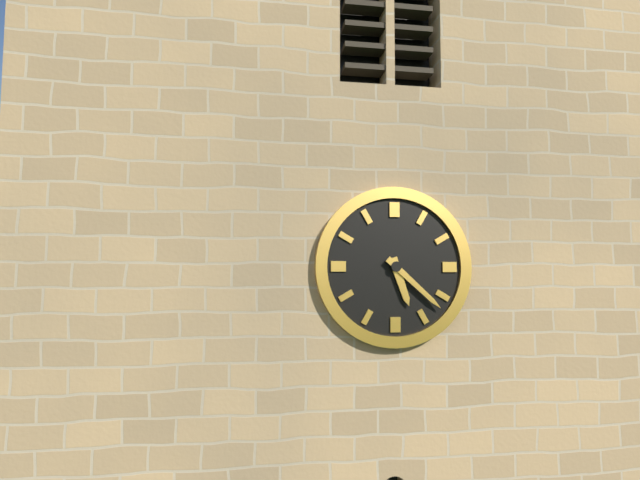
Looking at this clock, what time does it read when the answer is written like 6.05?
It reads 5.22
